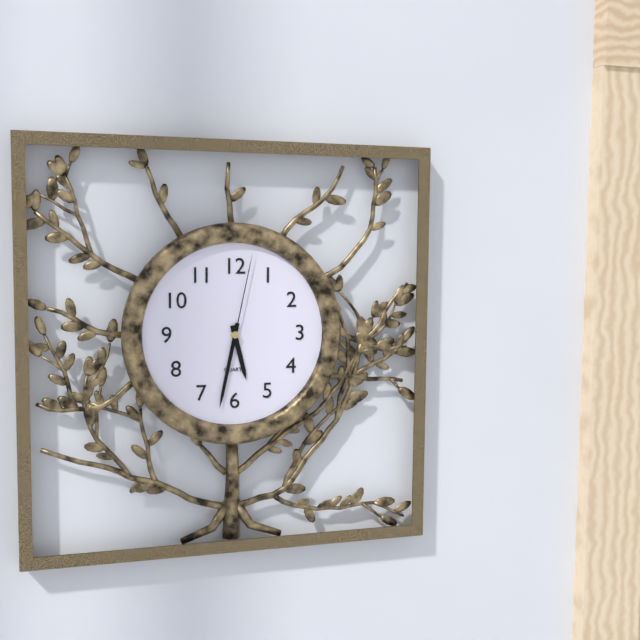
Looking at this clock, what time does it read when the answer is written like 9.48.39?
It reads 5.32.02
